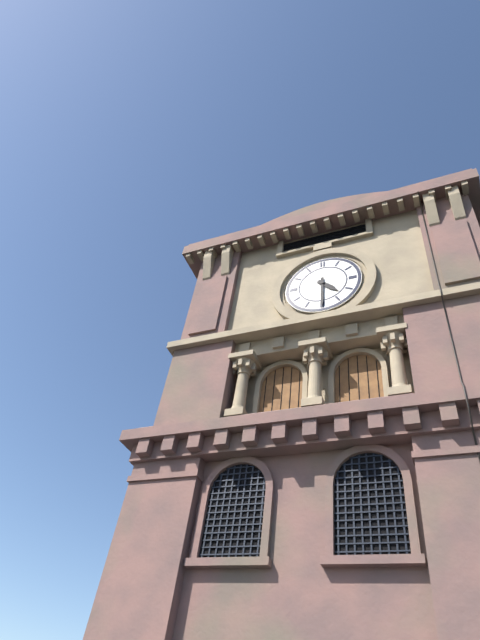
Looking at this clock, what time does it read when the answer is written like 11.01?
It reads 4.30
